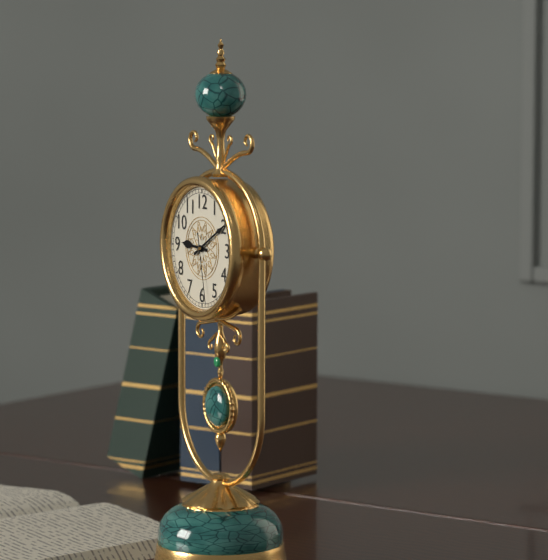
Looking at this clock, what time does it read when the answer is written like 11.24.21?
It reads 9.10.28
